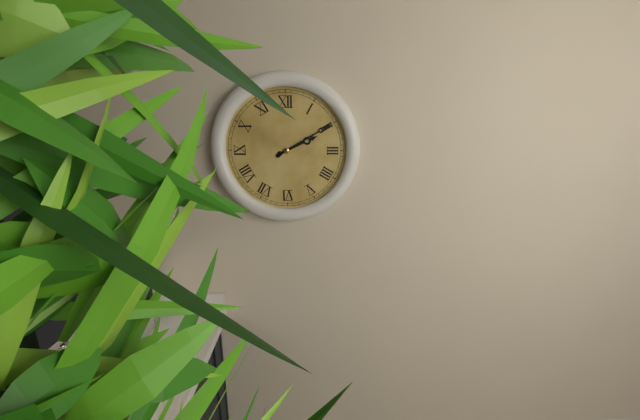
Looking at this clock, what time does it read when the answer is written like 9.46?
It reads 2.10
